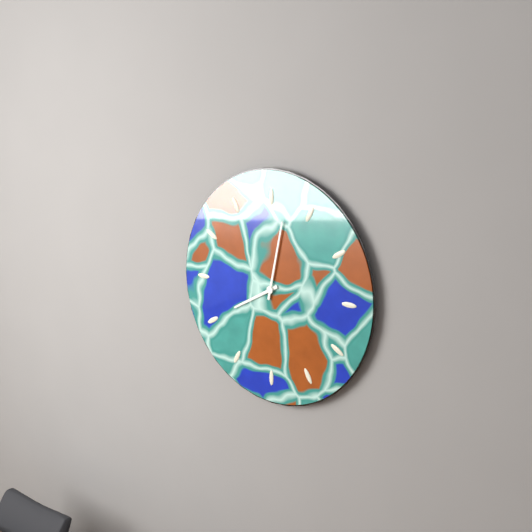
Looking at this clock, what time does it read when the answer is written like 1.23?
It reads 8.02
